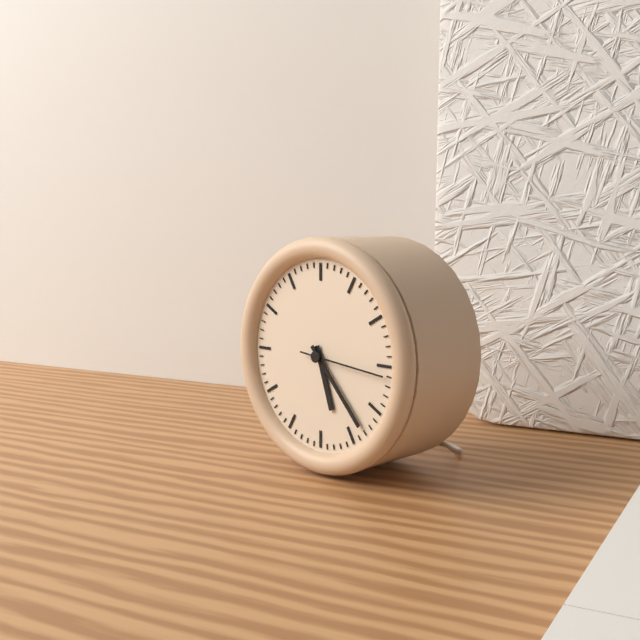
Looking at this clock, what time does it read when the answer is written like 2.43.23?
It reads 5.23.16
